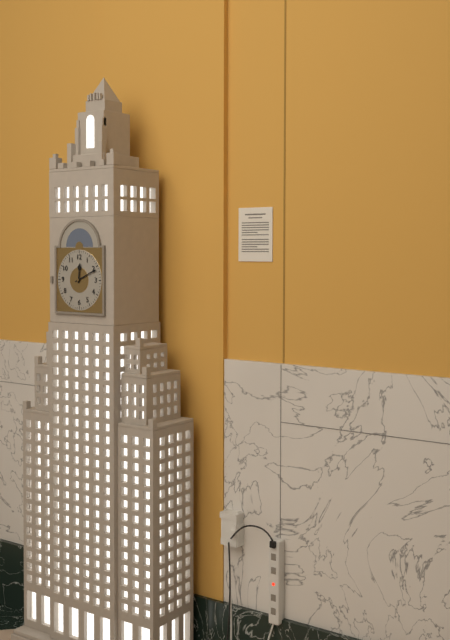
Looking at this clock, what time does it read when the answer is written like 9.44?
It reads 12.11
